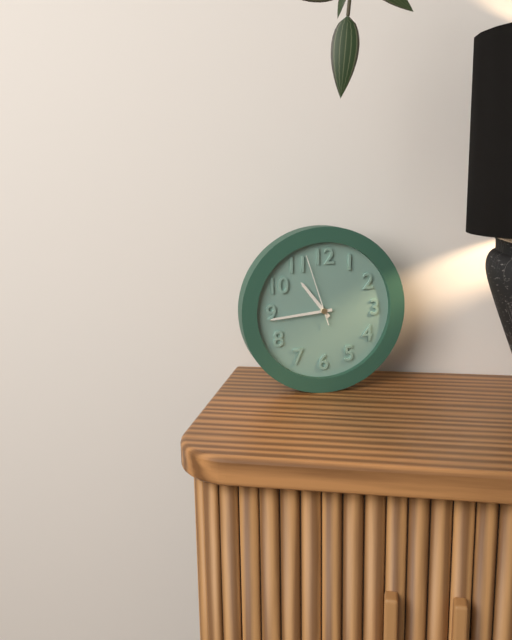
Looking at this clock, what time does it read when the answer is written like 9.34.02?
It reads 10.44.57
